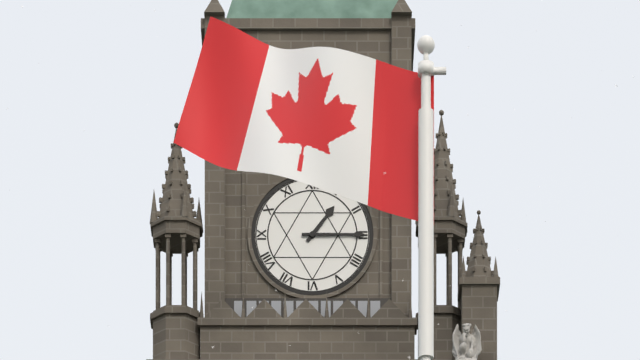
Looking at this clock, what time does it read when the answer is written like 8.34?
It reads 1.15
